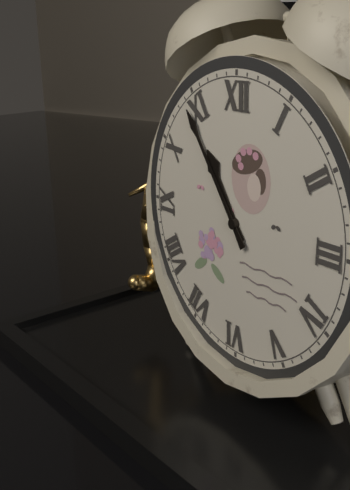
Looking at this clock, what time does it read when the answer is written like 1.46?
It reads 10.54
